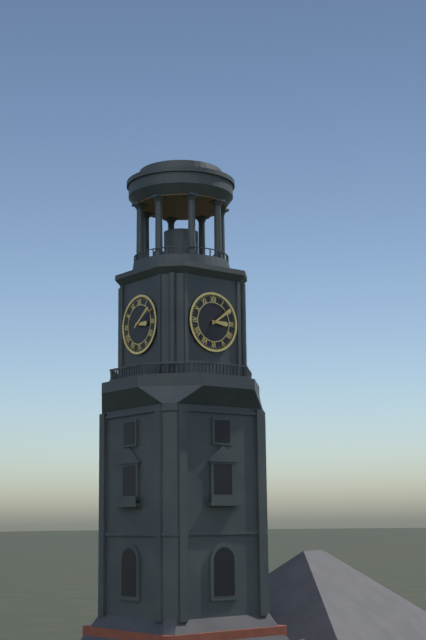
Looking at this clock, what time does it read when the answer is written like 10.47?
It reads 3.09
